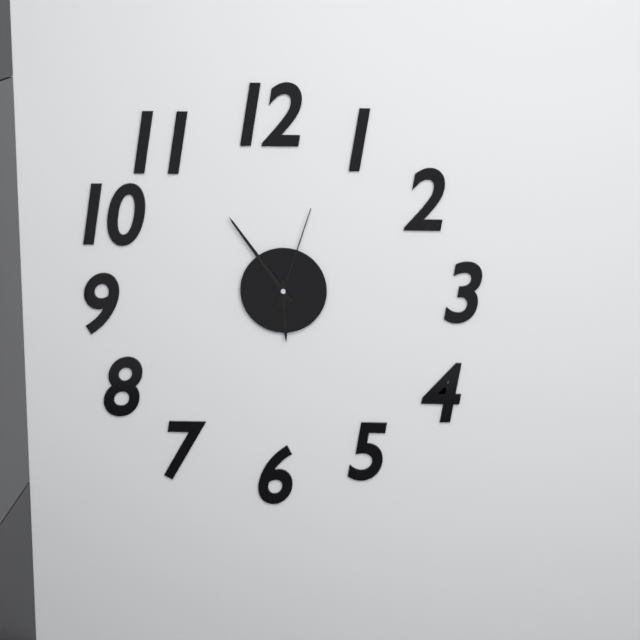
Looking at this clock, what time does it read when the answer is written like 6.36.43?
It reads 5.54.03
